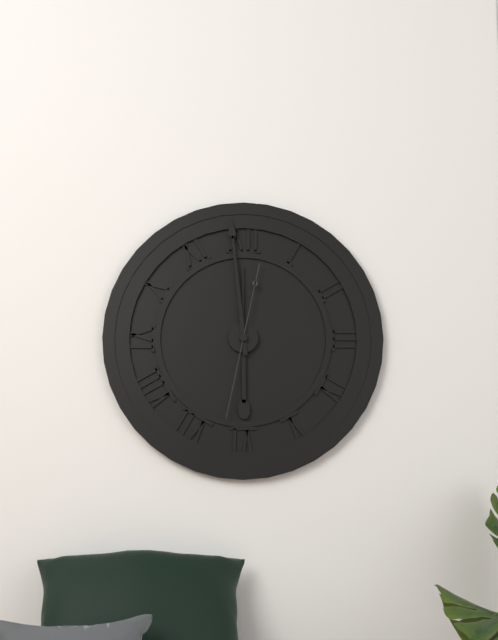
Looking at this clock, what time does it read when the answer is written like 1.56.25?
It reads 5.59.32
